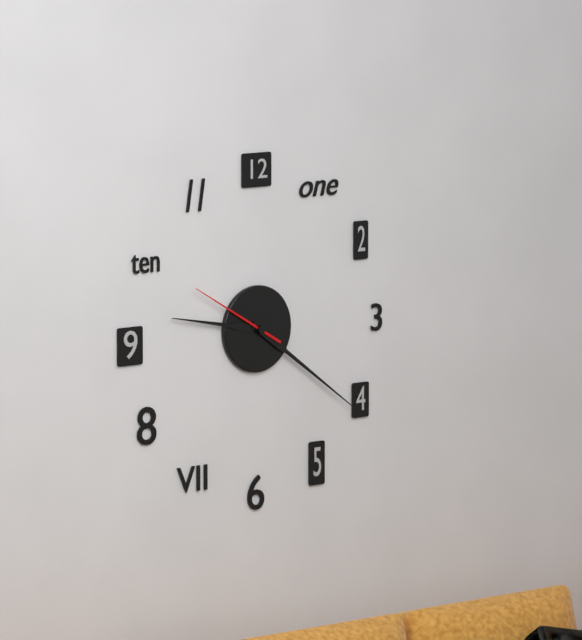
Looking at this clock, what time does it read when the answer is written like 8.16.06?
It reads 9.21.50
